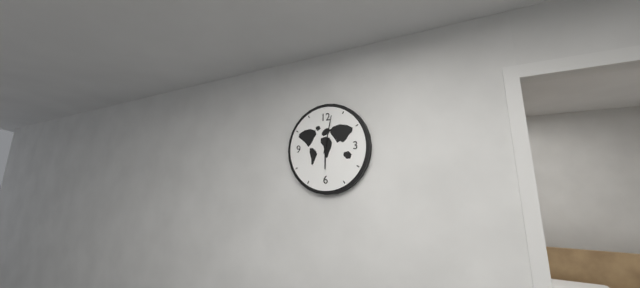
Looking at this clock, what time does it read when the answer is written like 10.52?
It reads 6.02
